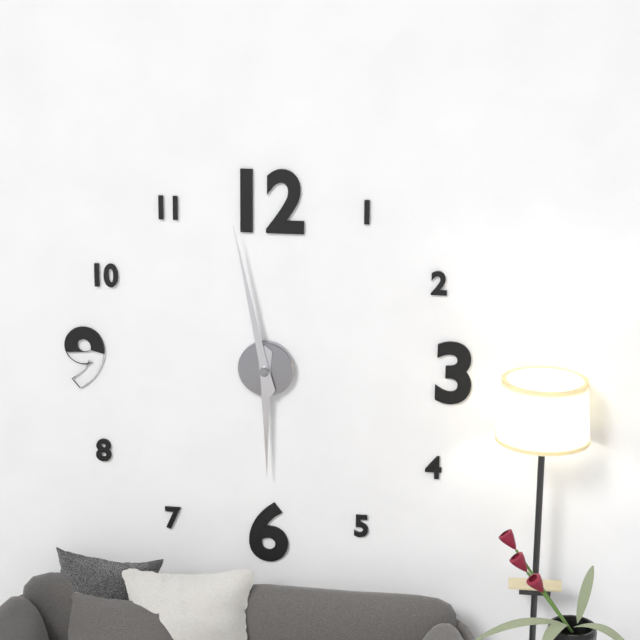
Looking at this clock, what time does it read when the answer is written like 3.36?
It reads 5.58
